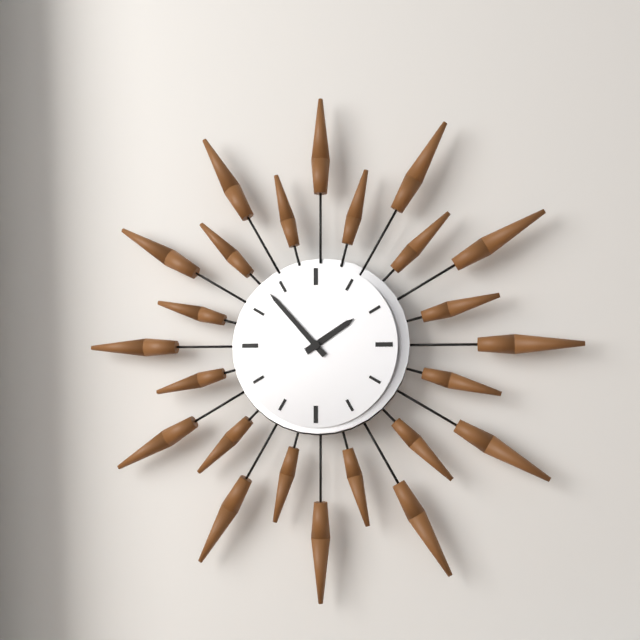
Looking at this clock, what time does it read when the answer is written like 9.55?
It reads 1.53
